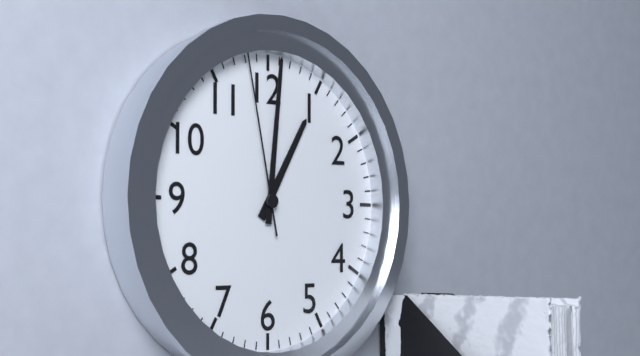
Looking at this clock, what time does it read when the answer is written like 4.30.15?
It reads 1.01.58
